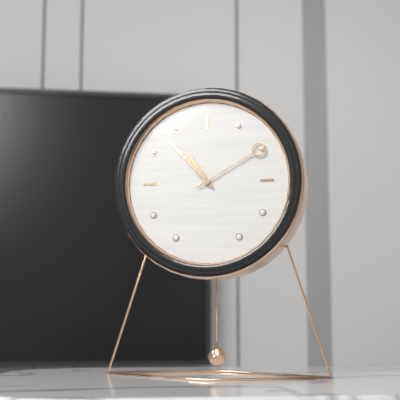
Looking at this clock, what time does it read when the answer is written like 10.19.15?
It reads 10.53.10
